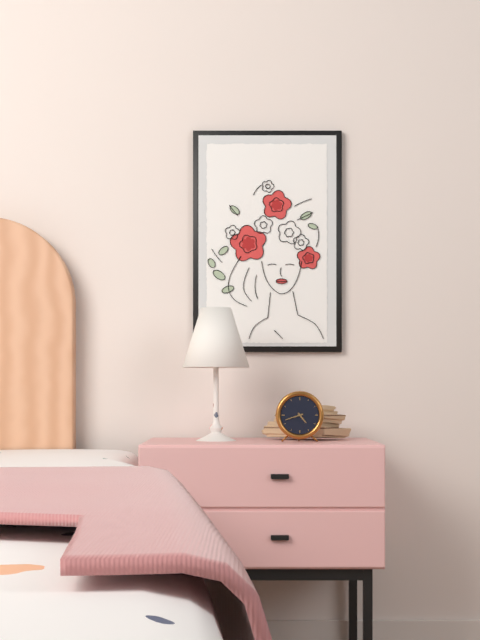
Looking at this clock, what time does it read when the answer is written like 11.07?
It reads 4.42
